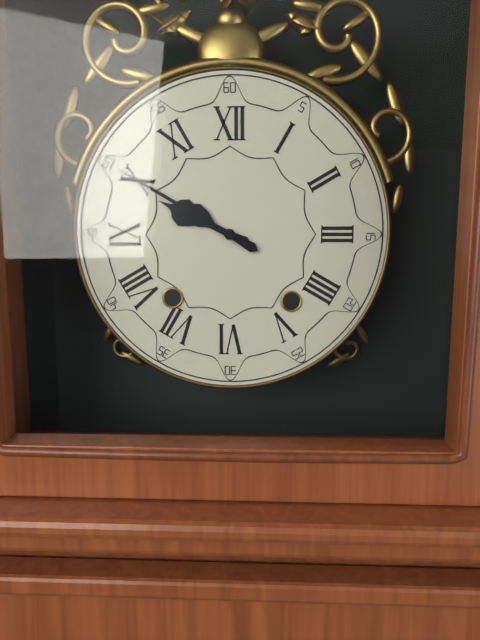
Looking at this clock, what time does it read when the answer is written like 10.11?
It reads 9.50
